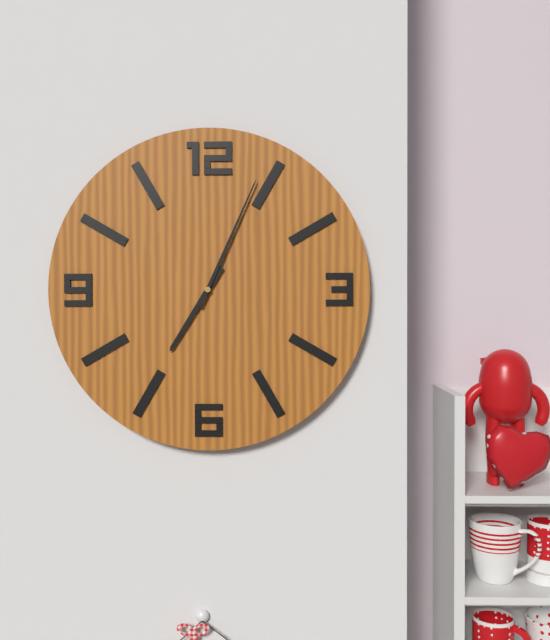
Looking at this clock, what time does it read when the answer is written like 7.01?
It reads 7.04
